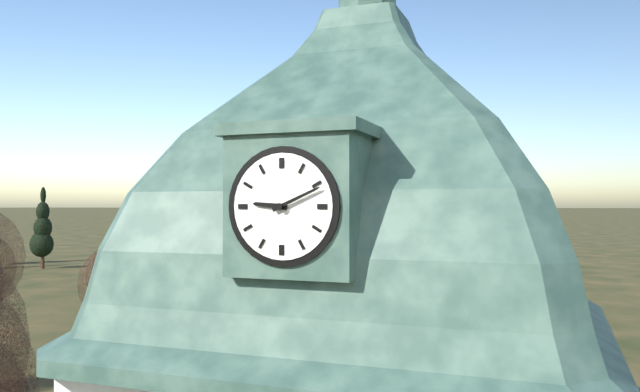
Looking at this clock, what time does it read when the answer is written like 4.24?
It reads 9.11
